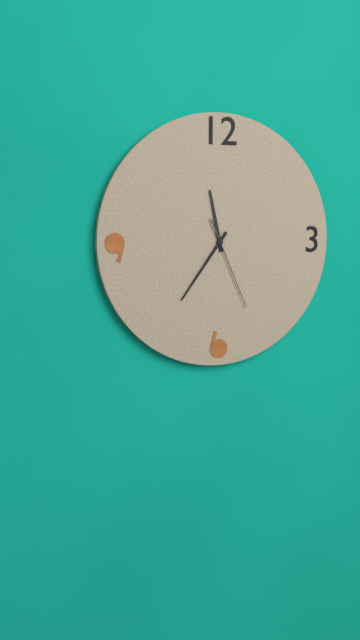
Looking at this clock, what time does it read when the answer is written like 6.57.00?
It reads 11.36.26
